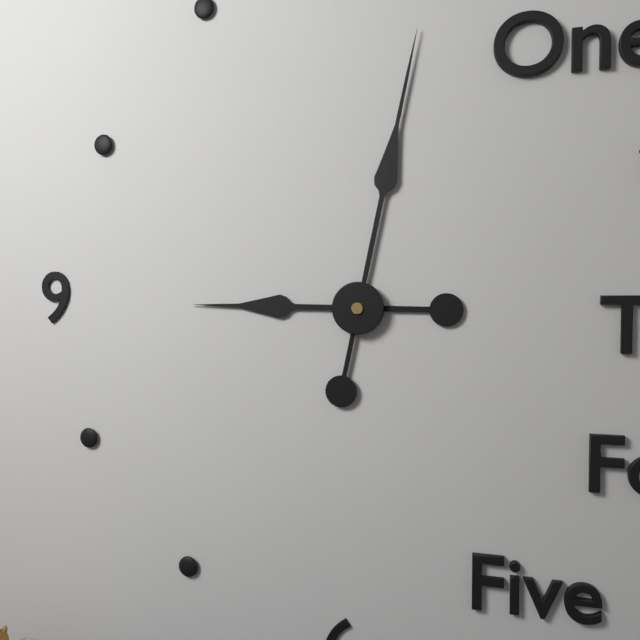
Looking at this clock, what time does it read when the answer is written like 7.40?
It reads 9.02
